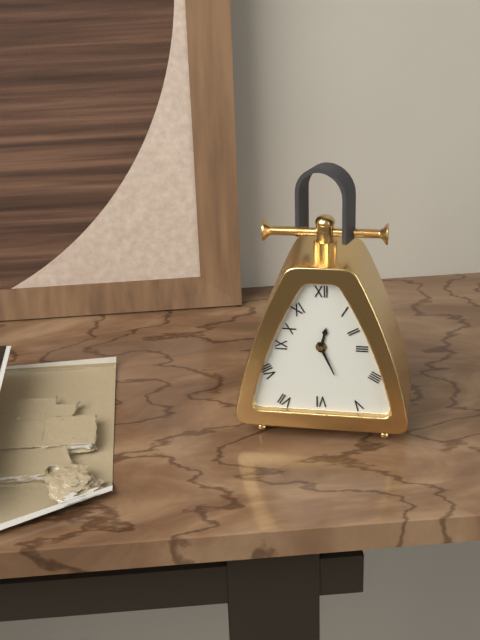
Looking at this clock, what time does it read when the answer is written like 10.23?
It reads 12.26
